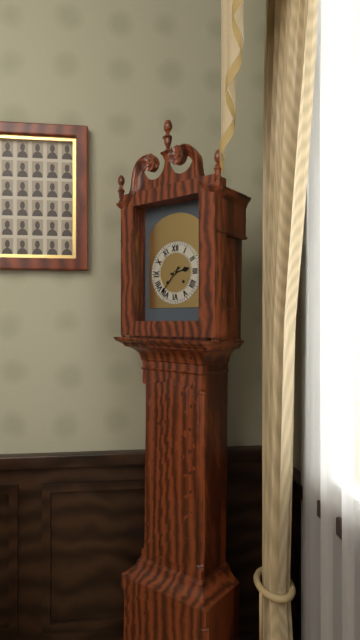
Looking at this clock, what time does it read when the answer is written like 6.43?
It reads 2.37
